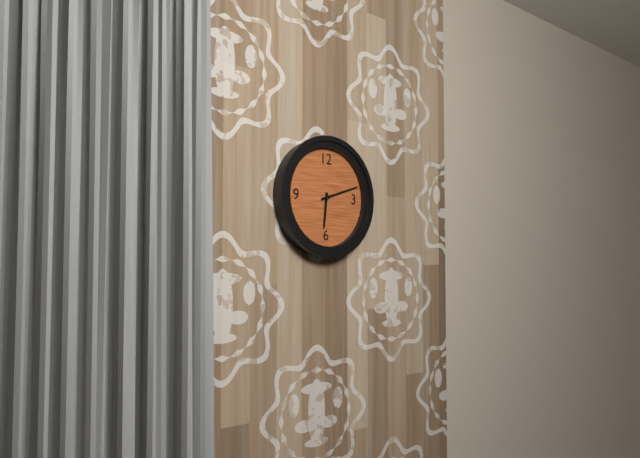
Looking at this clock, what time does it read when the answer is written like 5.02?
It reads 6.12
